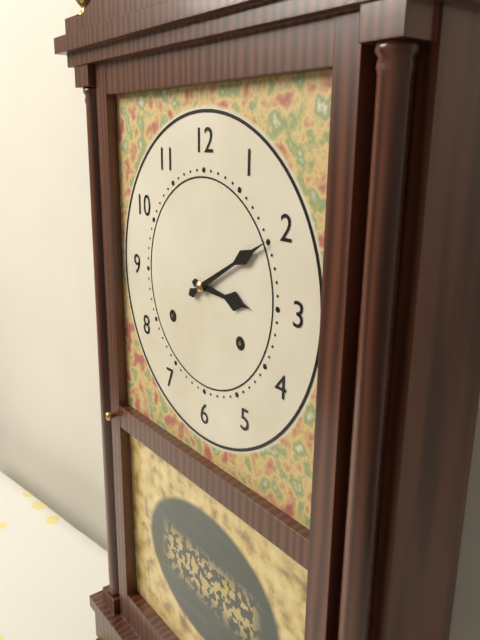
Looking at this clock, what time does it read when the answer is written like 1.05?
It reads 3.10
